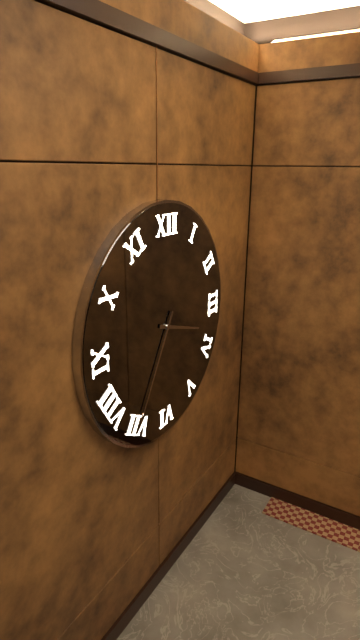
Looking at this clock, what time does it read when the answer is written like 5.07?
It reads 3.35
